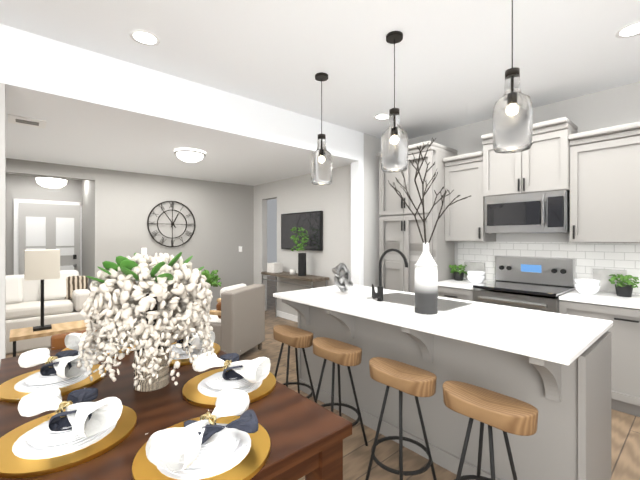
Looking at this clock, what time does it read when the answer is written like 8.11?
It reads 12.54
